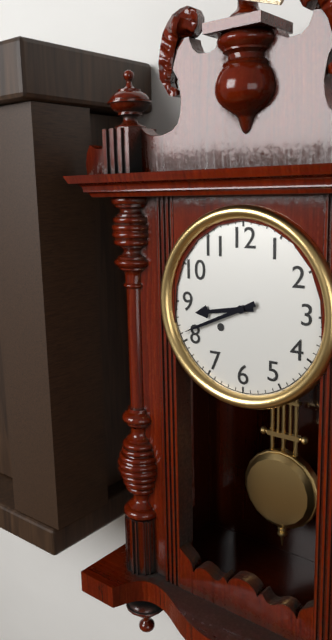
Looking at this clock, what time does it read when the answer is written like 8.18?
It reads 8.41
